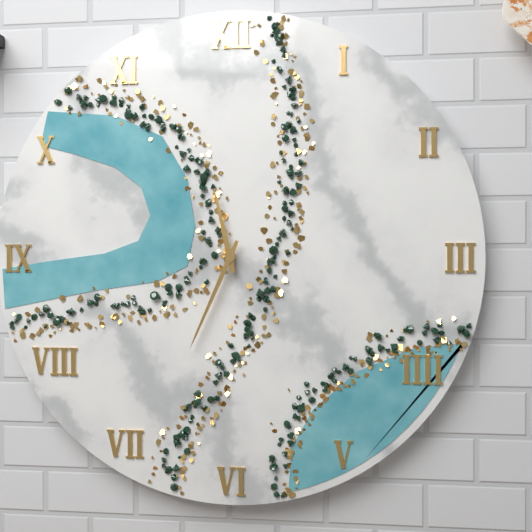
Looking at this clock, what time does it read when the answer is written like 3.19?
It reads 11.34
